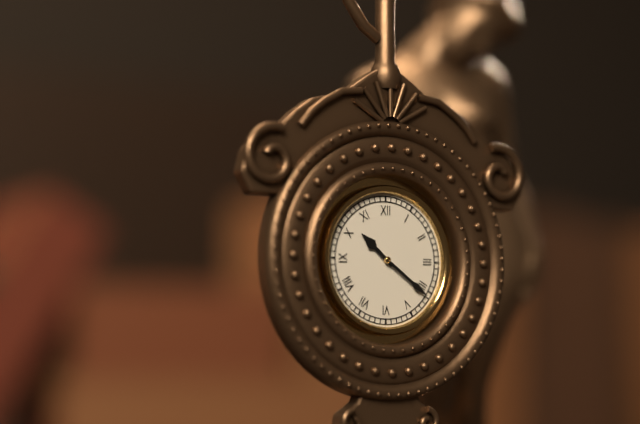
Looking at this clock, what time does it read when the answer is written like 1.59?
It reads 10.21
